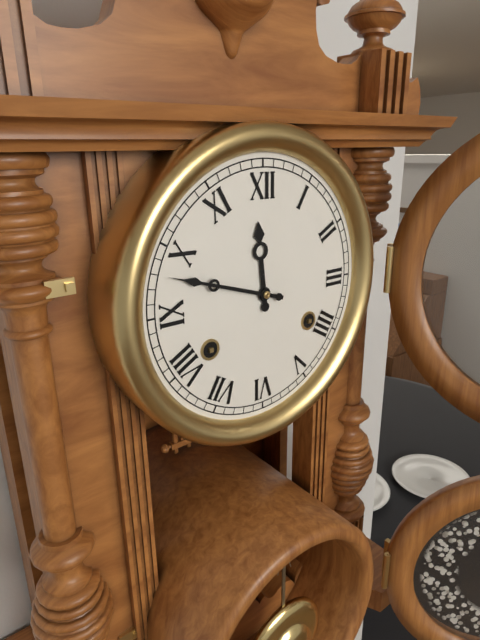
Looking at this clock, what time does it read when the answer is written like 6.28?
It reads 11.48
